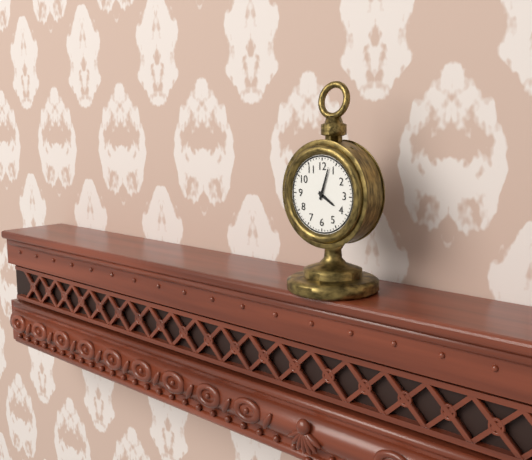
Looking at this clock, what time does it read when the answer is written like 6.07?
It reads 4.03
